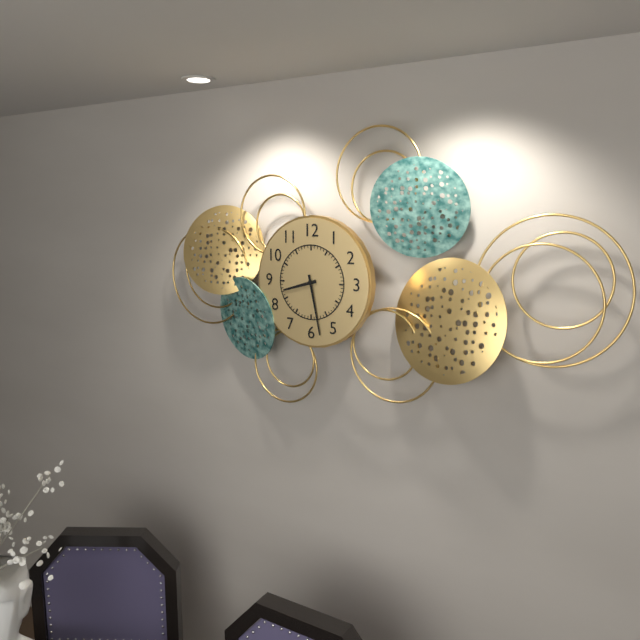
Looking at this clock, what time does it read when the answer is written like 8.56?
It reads 8.28
